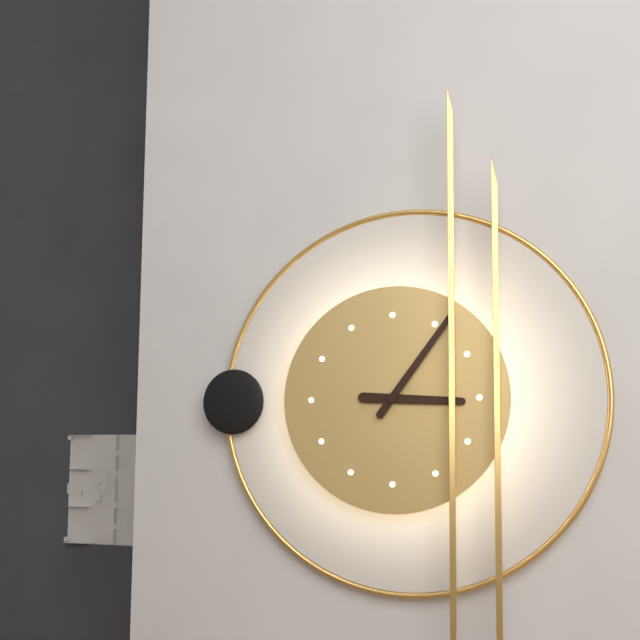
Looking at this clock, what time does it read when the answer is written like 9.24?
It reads 3.06
